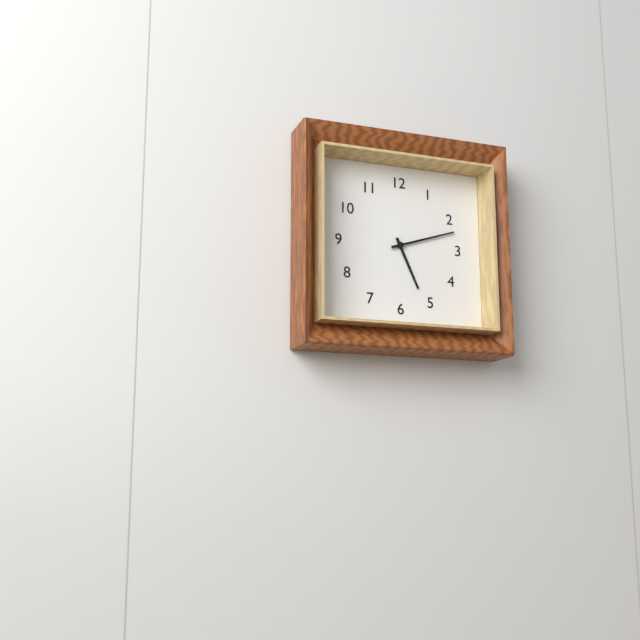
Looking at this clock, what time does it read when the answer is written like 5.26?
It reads 5.12
